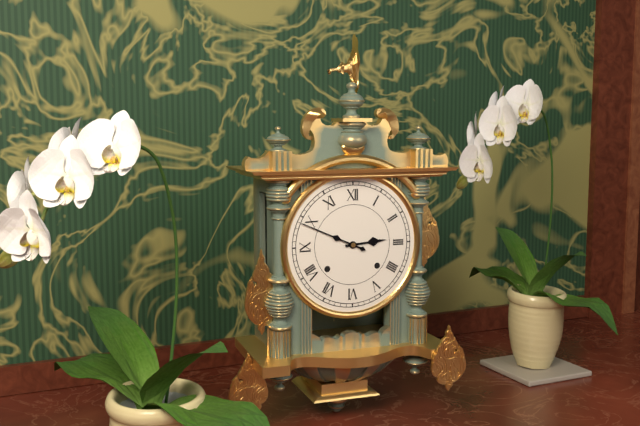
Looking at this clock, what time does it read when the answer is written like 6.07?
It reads 2.49
